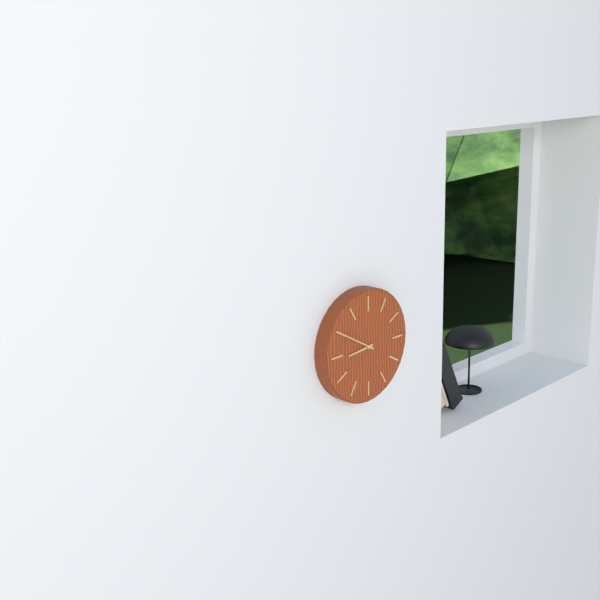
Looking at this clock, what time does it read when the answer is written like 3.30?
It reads 8.50
